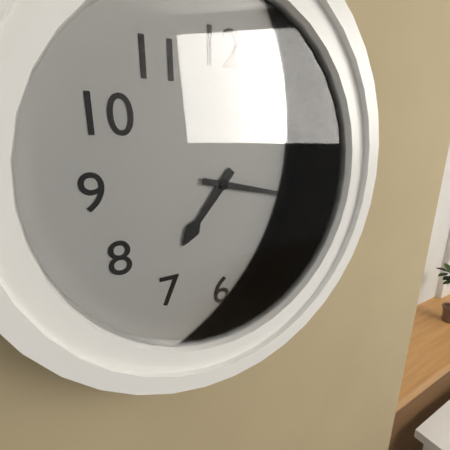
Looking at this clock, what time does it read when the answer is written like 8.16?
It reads 7.17
